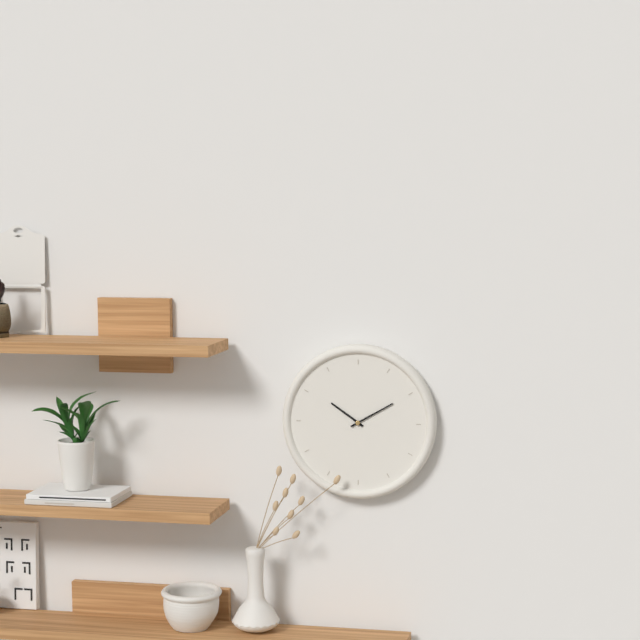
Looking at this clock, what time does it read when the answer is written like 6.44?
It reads 10.10
